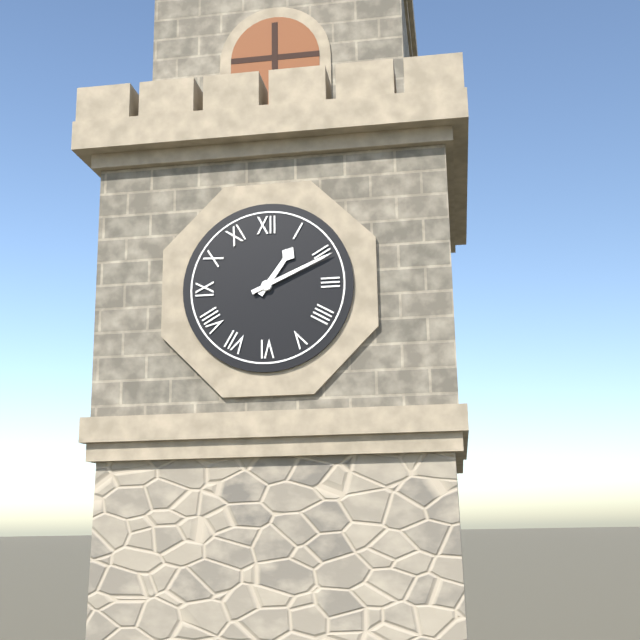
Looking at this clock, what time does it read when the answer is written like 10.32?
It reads 1.11
